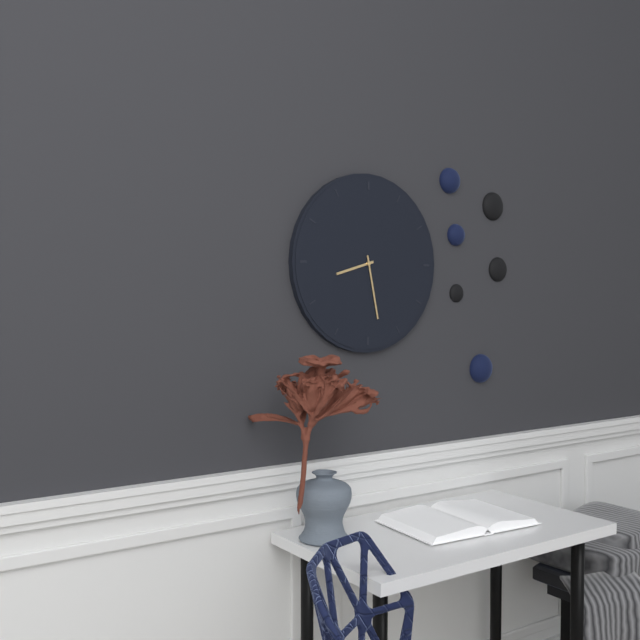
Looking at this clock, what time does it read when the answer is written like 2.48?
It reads 8.28
